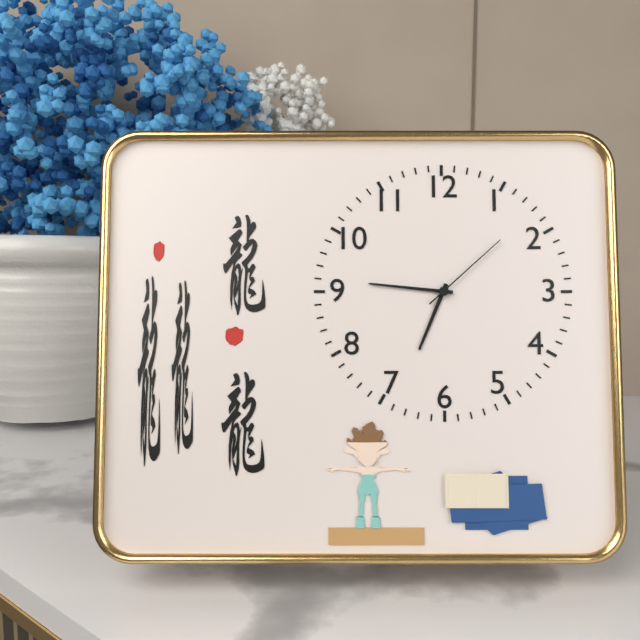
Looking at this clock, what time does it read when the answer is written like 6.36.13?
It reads 6.46.08
